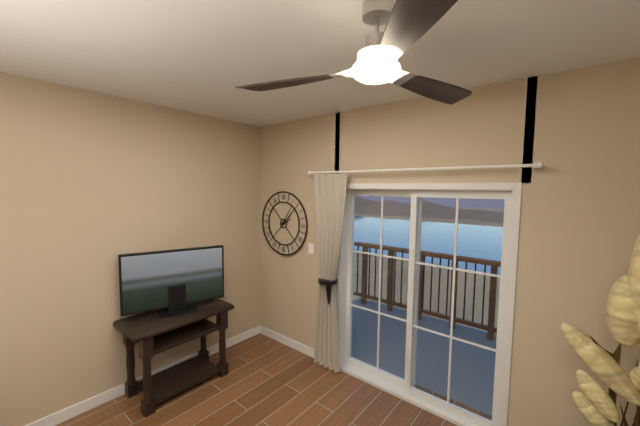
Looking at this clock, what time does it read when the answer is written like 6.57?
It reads 2.06
